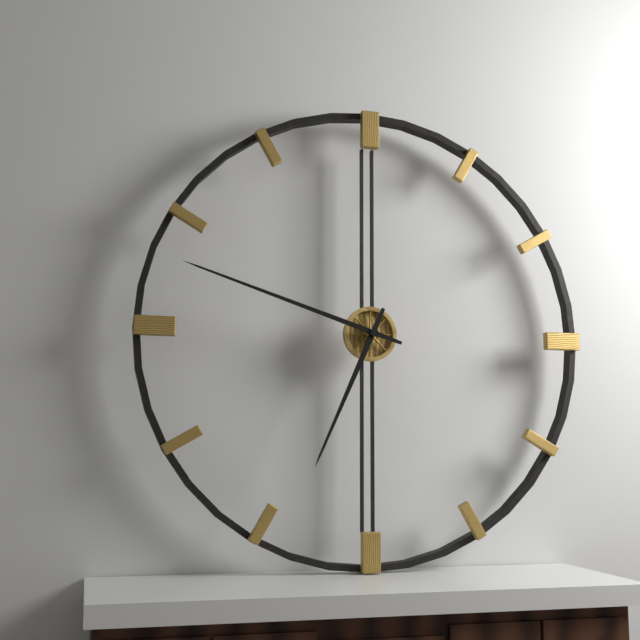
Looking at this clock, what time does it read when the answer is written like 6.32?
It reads 6.48
